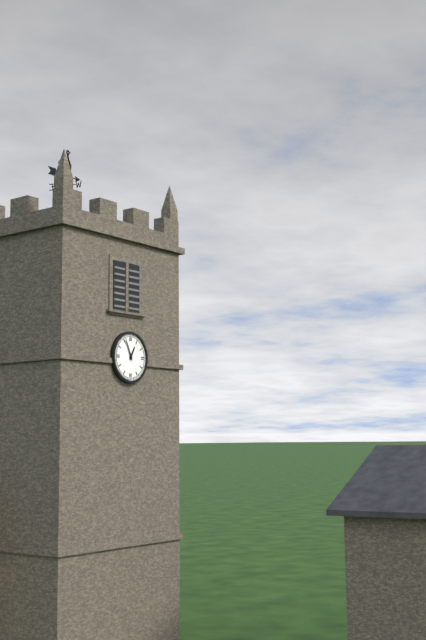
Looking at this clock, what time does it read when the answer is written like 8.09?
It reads 12.56
